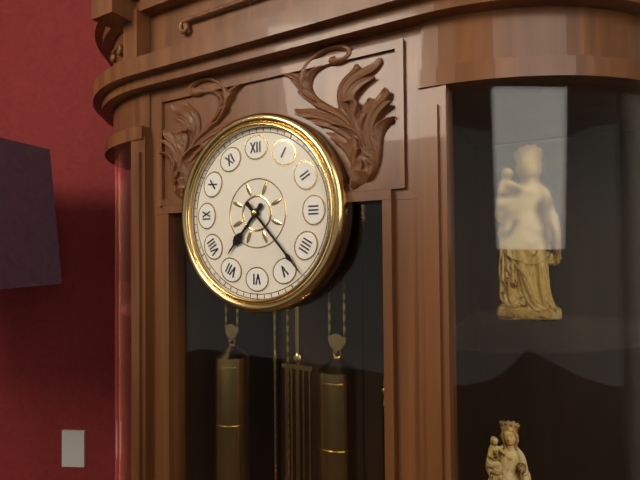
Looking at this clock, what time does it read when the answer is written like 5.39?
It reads 7.23
